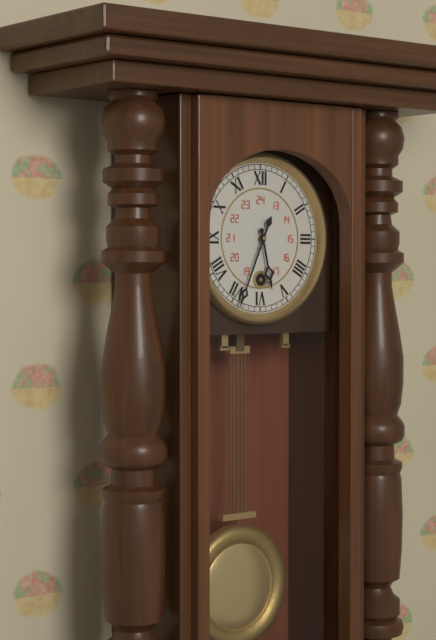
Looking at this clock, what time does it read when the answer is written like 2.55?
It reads 5.34
